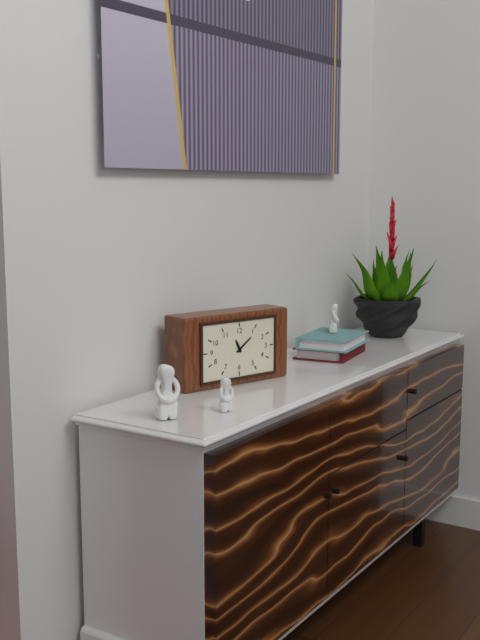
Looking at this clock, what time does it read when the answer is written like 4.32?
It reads 11.09
